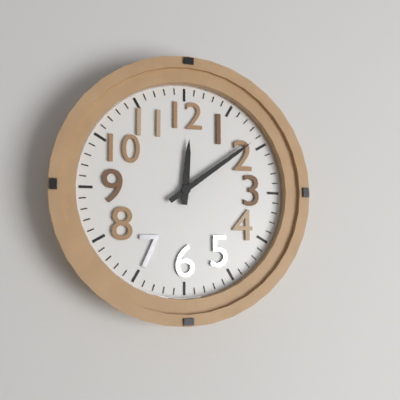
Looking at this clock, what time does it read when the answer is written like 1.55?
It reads 12.09
